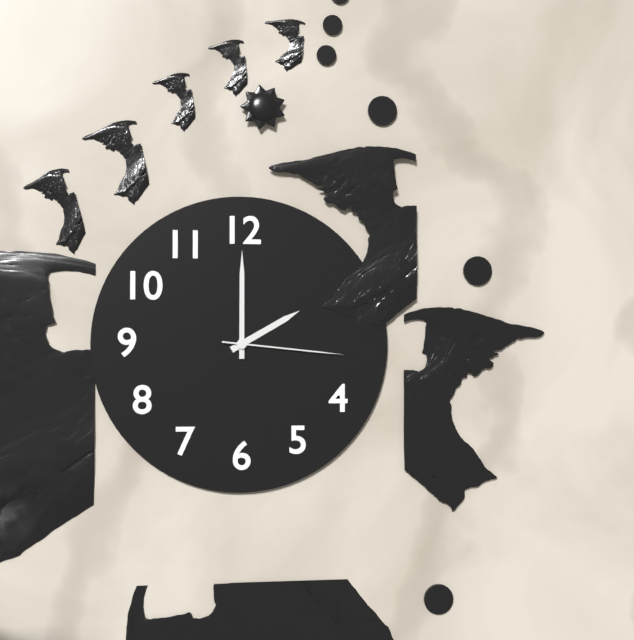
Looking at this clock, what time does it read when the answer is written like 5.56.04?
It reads 2.00.16
